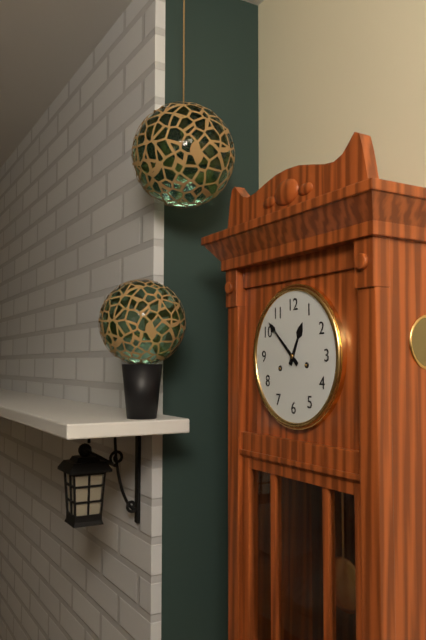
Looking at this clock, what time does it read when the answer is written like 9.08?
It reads 12.52
